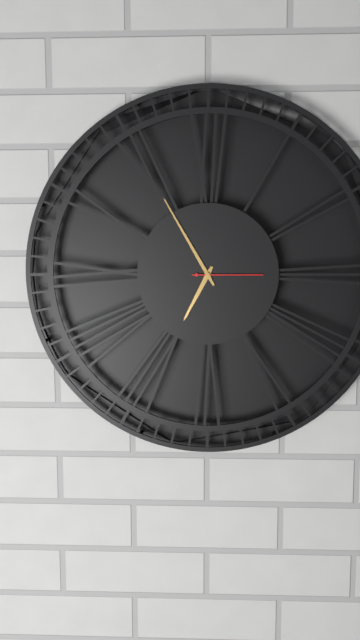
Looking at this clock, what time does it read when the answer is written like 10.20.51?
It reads 6.55.15
